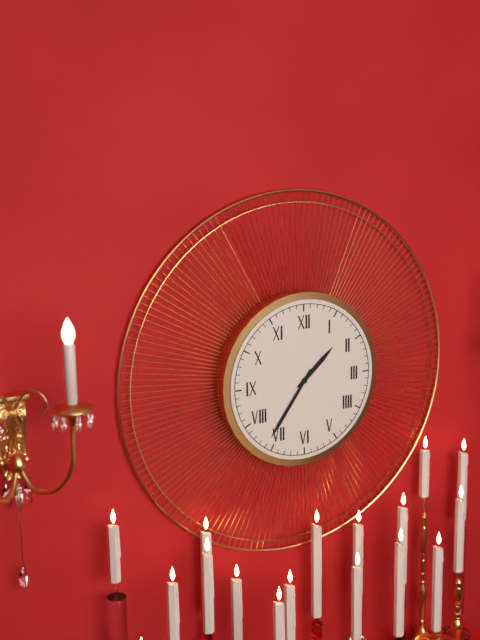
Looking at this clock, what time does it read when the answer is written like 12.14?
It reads 1.36
